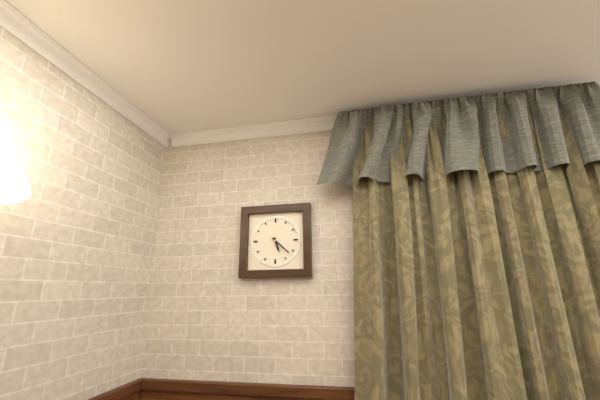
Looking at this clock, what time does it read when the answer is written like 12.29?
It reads 5.22
